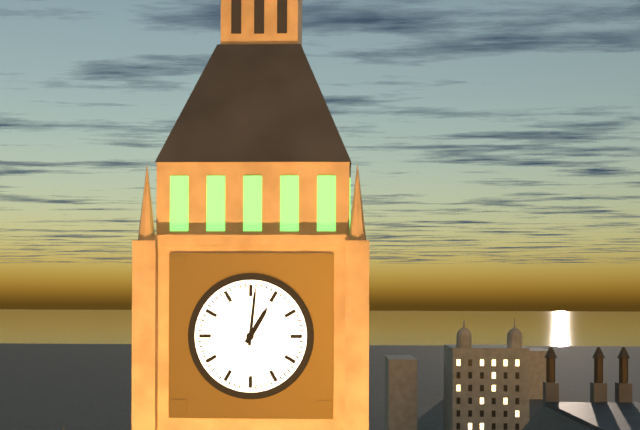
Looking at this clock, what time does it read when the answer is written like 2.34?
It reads 1.01
